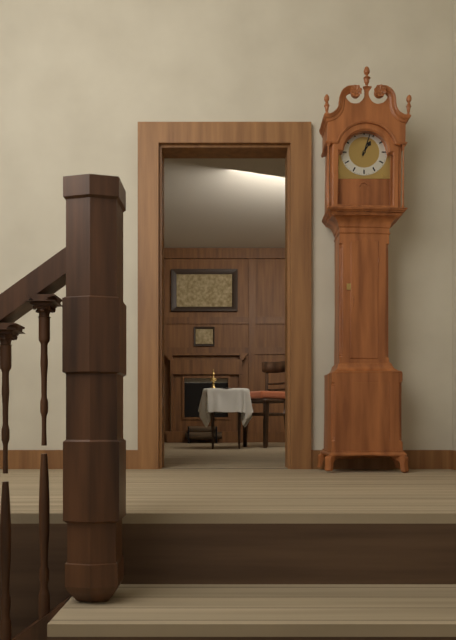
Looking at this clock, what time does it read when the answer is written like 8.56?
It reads 1.03
